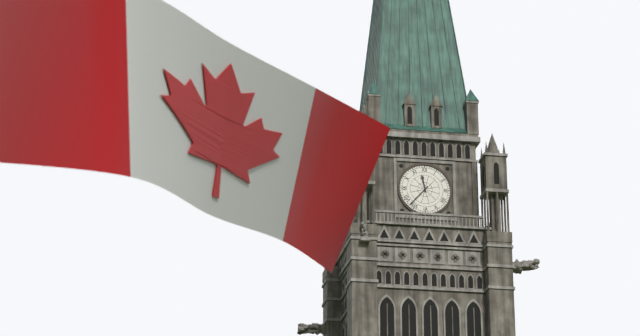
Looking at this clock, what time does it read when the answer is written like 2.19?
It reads 11.37
